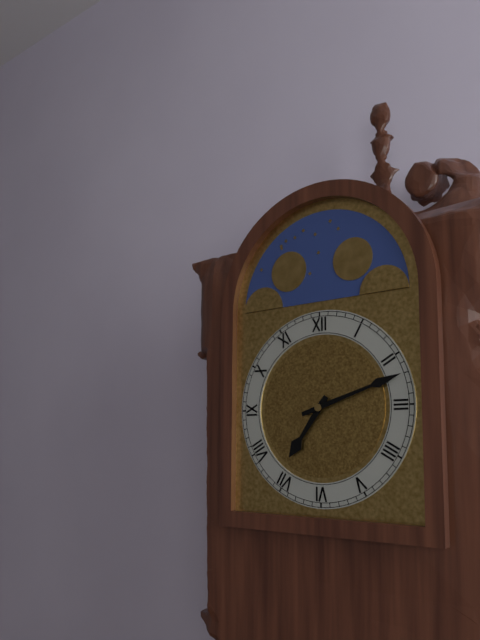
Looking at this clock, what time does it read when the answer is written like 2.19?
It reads 7.12
